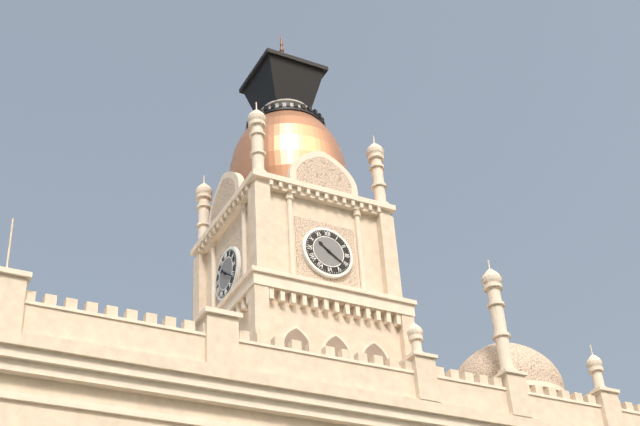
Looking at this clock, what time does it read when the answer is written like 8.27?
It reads 10.21
